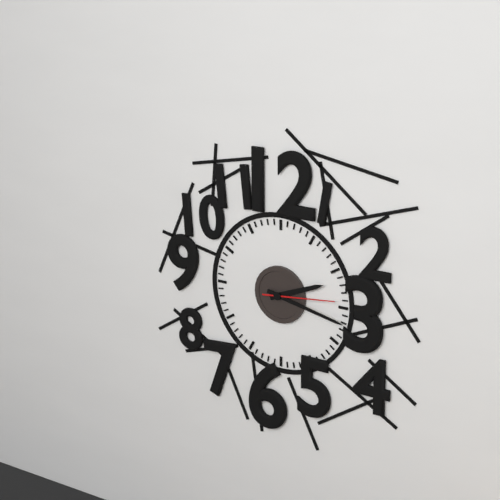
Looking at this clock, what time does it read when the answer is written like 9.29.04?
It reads 2.17.14
